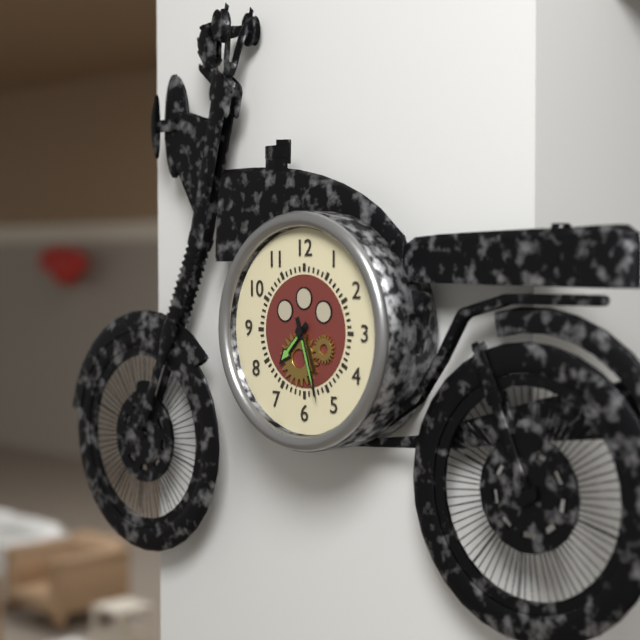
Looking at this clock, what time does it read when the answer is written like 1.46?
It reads 7.27
